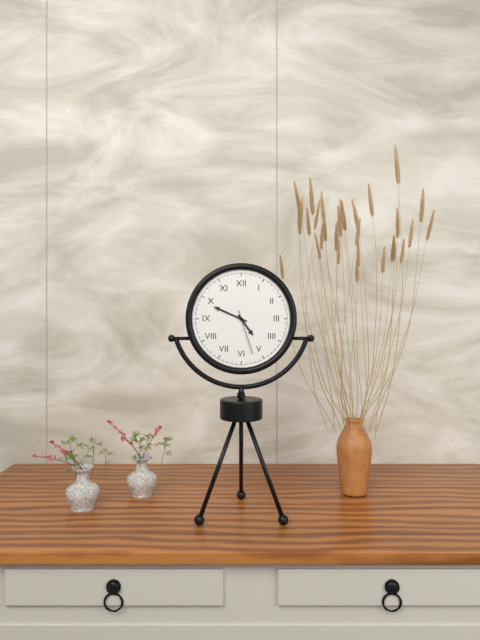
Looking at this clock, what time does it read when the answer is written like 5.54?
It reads 4.49
